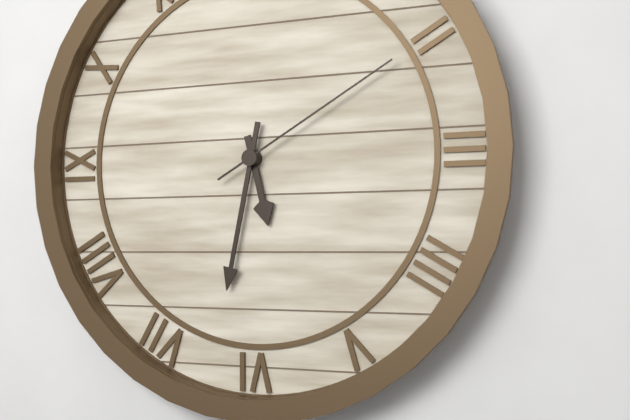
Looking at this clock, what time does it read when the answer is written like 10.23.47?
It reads 5.32.10
